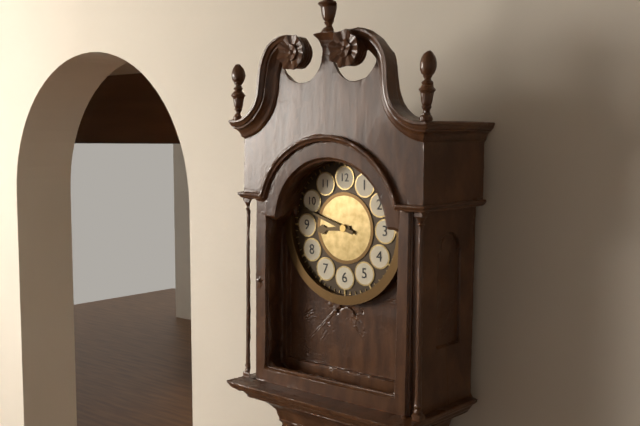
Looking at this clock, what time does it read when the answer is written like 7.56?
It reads 8.48
